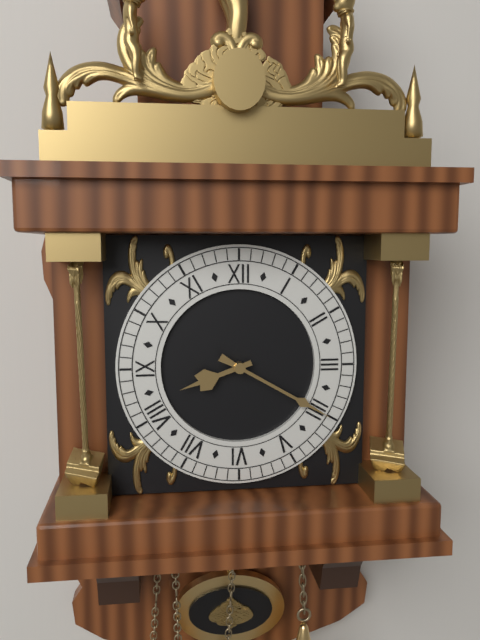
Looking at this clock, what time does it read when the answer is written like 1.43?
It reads 8.20
